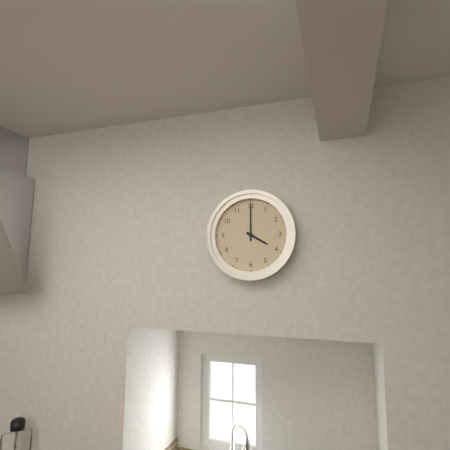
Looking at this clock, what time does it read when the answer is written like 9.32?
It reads 4.00
